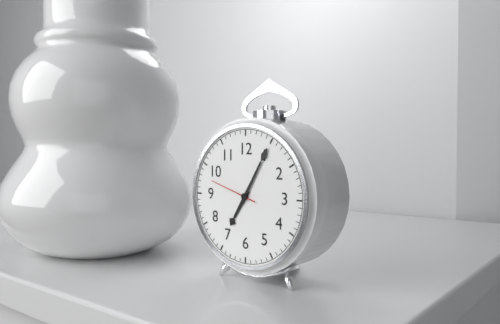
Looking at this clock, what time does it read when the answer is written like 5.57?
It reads 7.05
